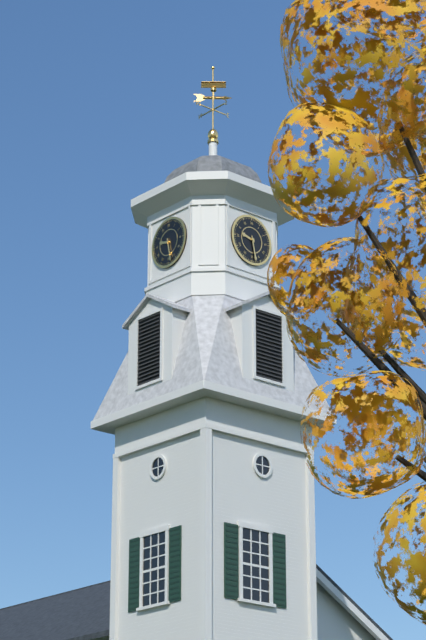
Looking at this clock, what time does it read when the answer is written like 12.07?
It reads 9.28
